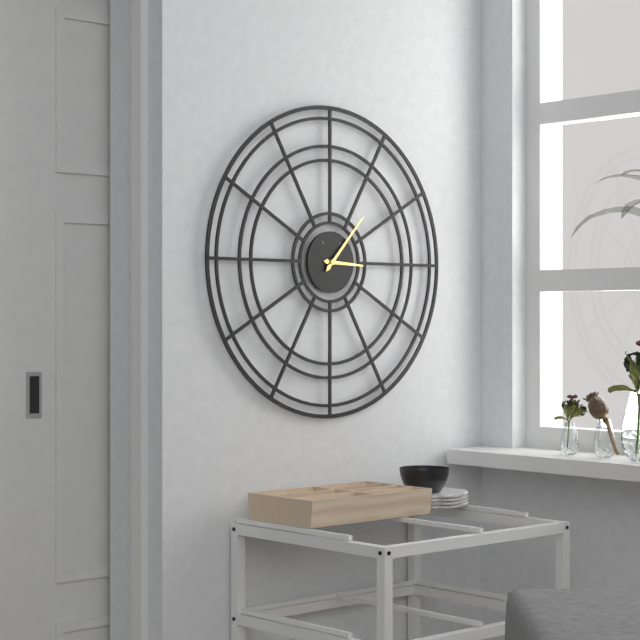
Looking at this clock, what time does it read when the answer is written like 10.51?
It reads 3.07
